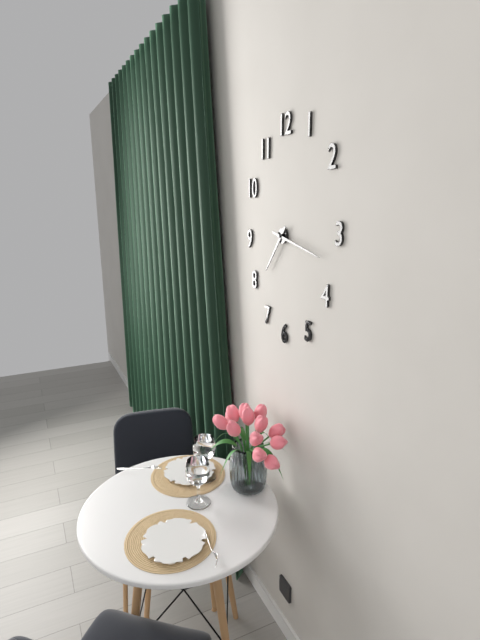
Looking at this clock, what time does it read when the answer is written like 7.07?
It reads 7.17
